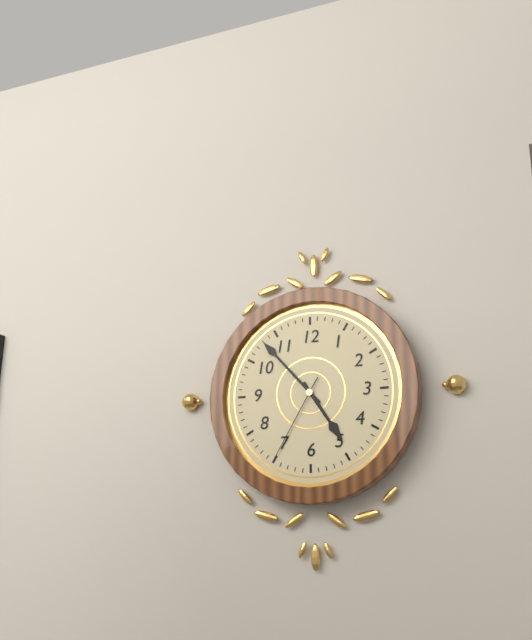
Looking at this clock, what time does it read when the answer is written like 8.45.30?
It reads 4.53.35
